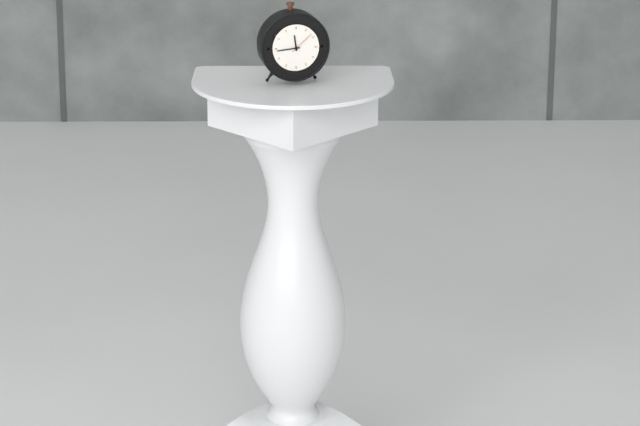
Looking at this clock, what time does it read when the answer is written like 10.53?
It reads 11.44
